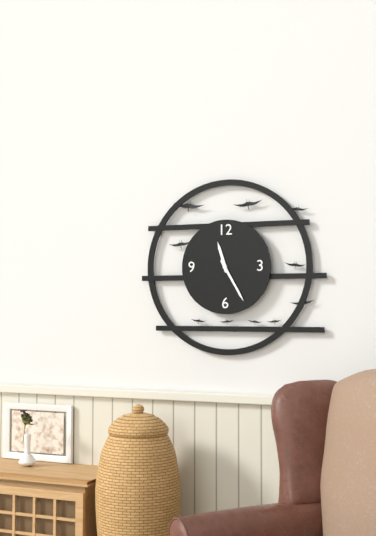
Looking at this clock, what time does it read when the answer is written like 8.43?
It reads 11.25
